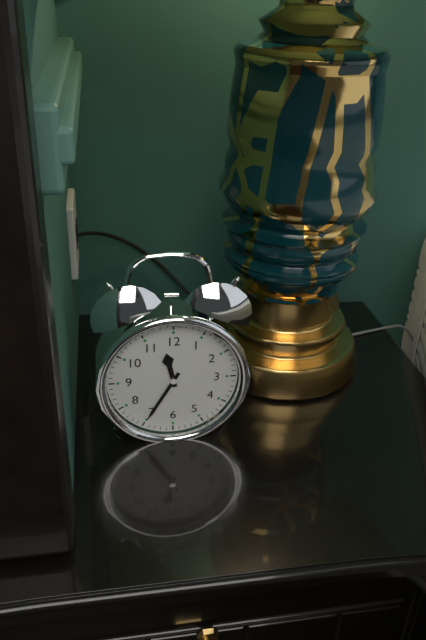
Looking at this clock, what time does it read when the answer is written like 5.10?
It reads 11.35
